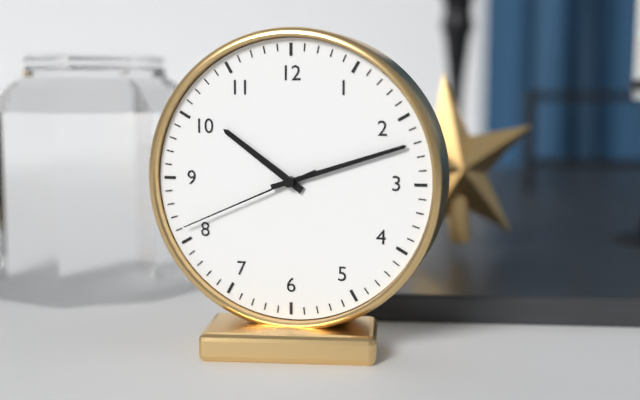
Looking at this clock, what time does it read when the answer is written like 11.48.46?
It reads 10.12.41
